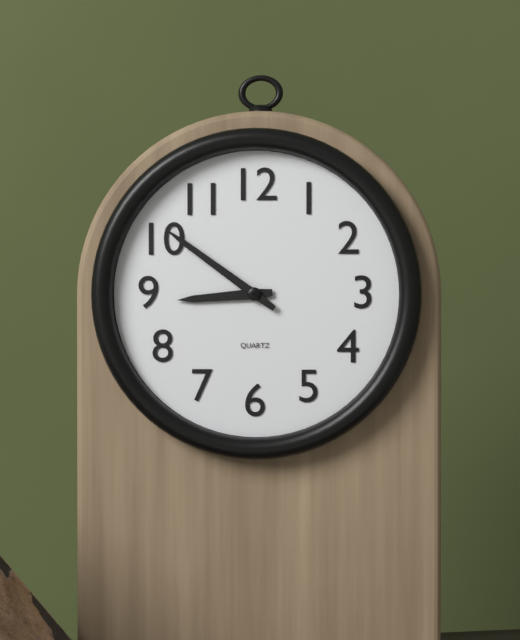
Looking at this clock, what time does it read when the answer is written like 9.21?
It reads 8.51
